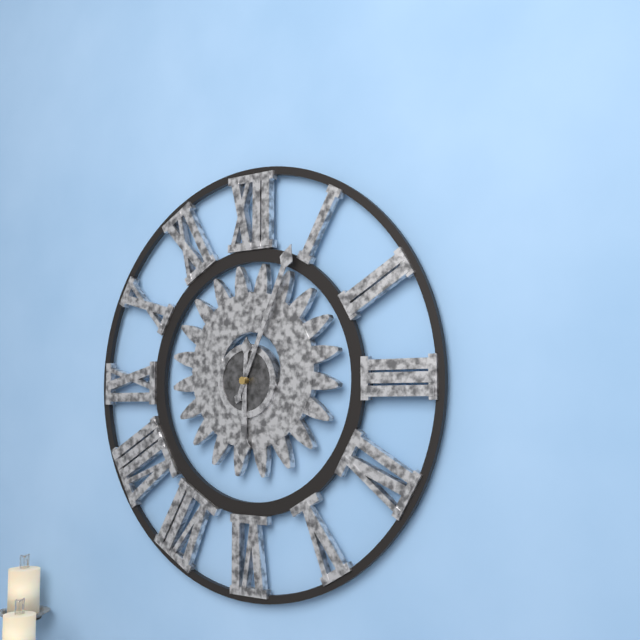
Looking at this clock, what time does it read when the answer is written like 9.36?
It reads 6.04
